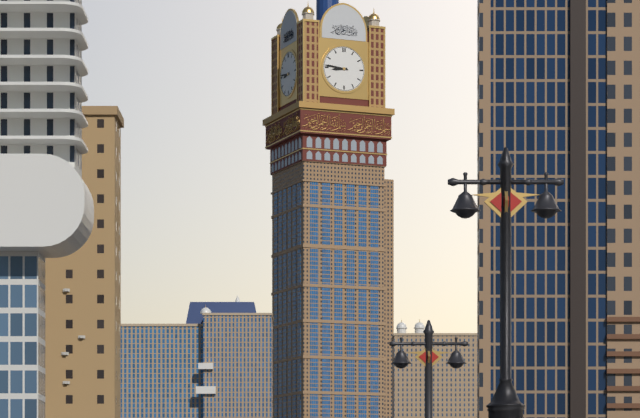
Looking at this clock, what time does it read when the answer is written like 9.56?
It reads 8.46
